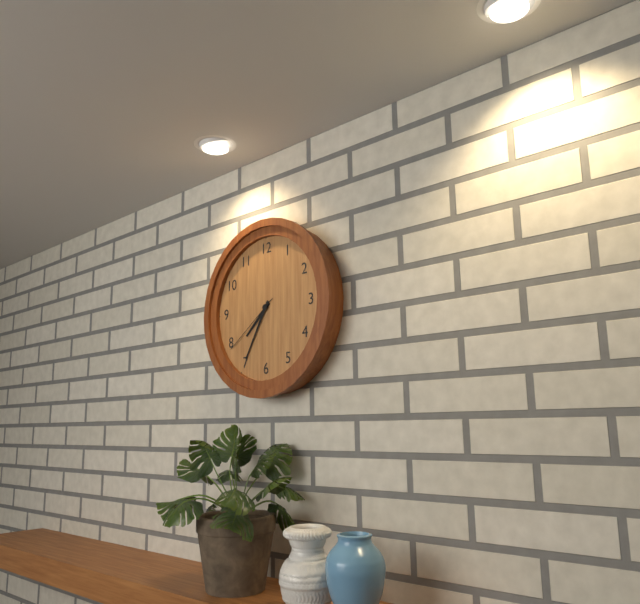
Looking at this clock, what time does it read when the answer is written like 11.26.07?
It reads 7.35.39
